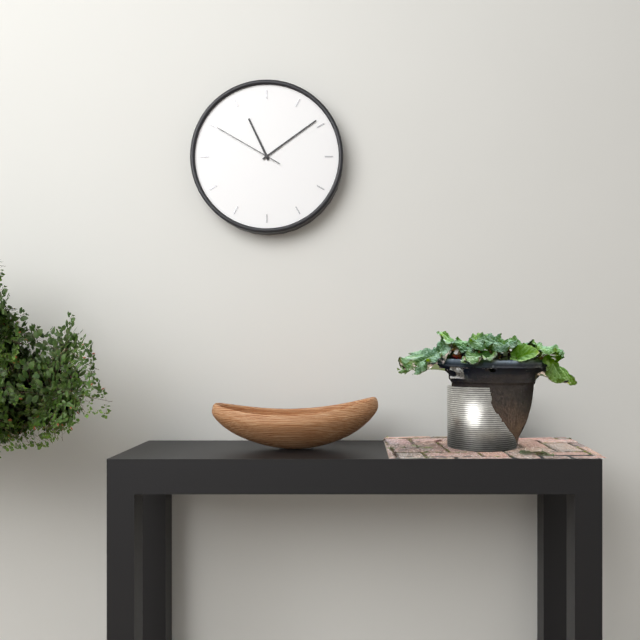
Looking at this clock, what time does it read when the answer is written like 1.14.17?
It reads 11.09.50
